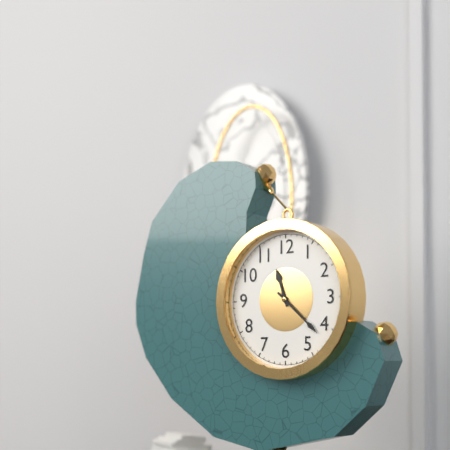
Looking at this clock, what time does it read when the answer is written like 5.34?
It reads 11.22
